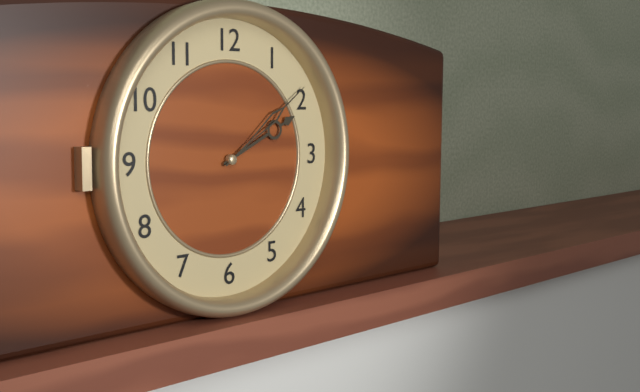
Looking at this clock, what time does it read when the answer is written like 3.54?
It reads 2.09
